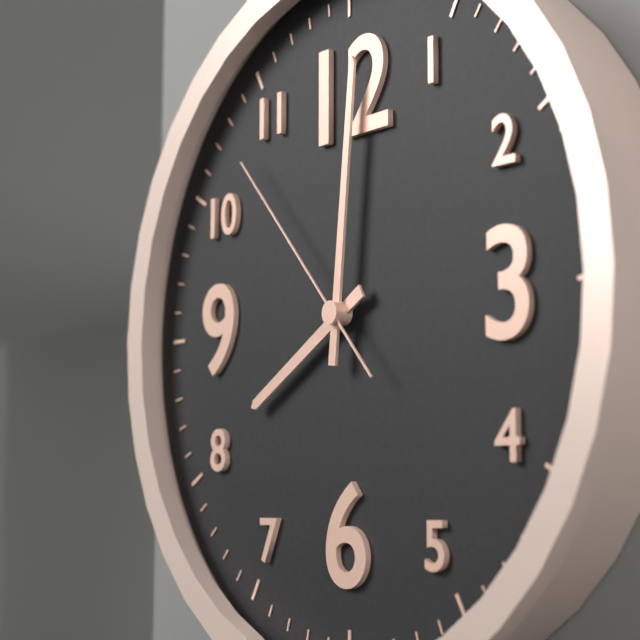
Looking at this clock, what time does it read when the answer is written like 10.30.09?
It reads 8.01.53
